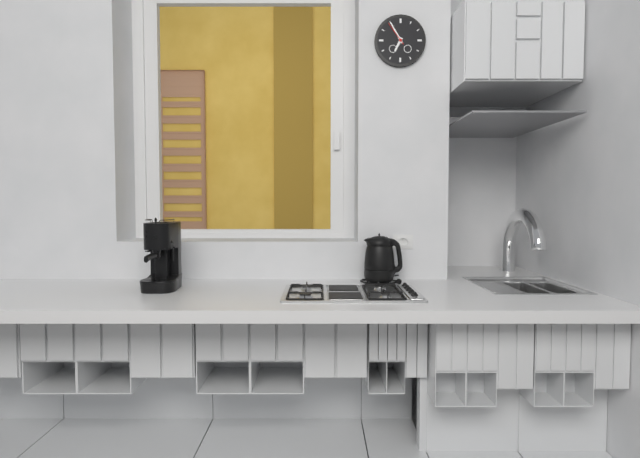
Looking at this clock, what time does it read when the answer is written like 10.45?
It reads 6.55
